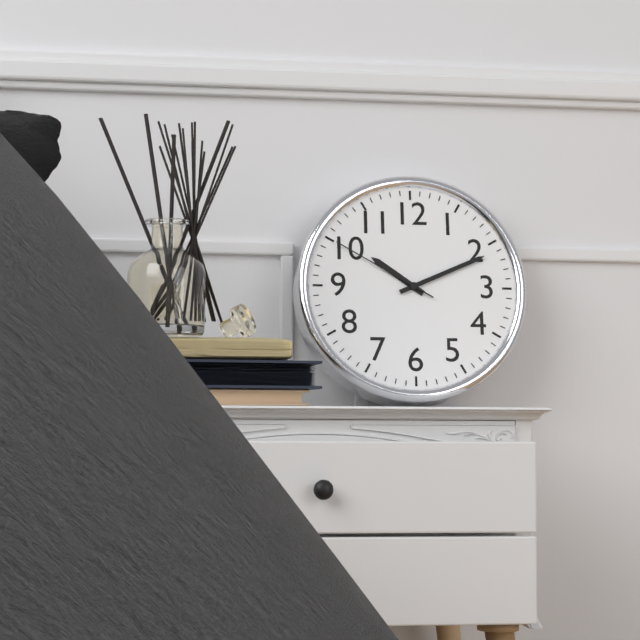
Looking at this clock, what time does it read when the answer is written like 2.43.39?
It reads 10.11.50
